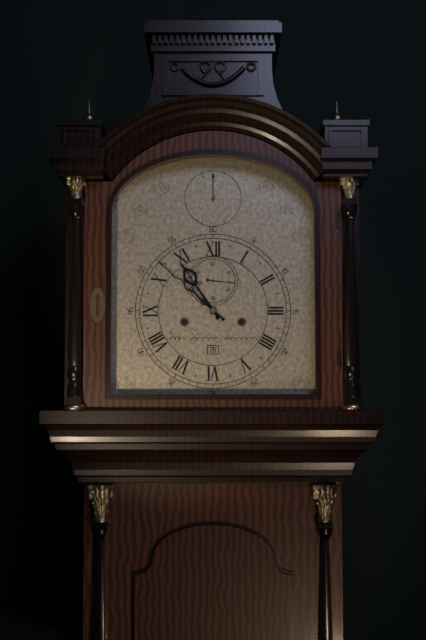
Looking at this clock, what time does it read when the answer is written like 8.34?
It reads 10.52
